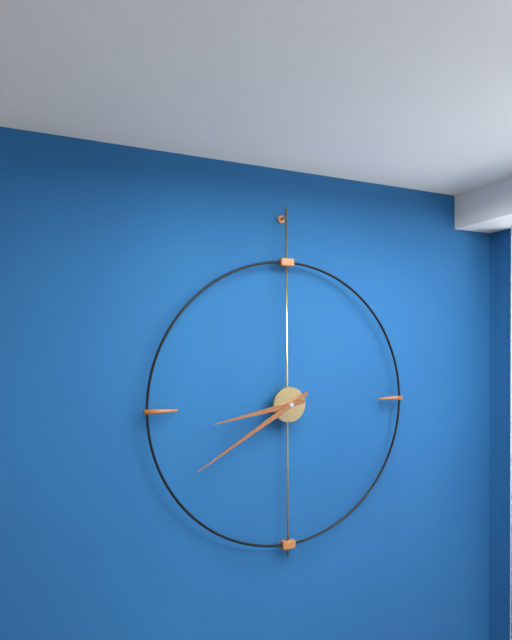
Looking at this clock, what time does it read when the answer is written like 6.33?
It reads 8.40
